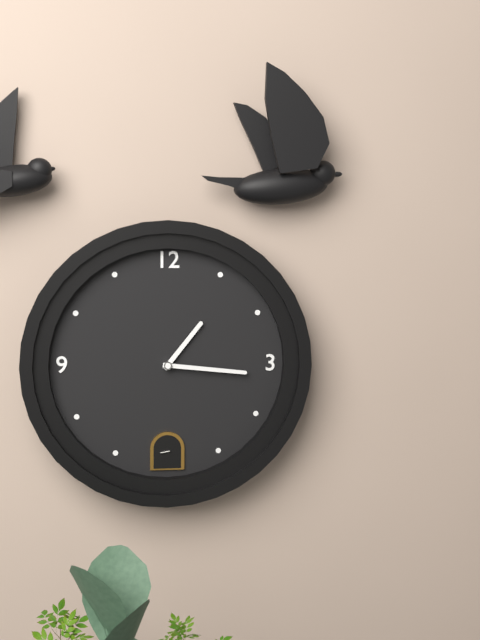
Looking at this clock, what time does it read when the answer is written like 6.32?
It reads 1.16
